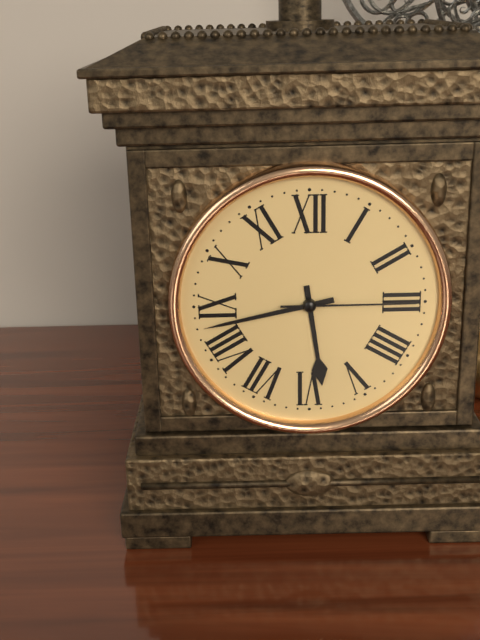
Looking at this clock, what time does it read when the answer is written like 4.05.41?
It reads 5.43.15
